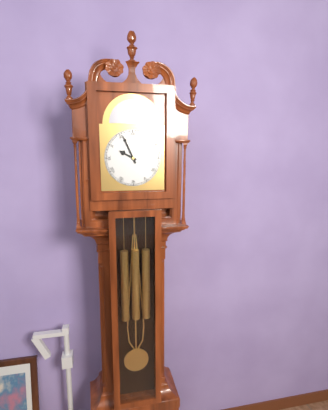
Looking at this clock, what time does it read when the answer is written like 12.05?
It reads 9.56
